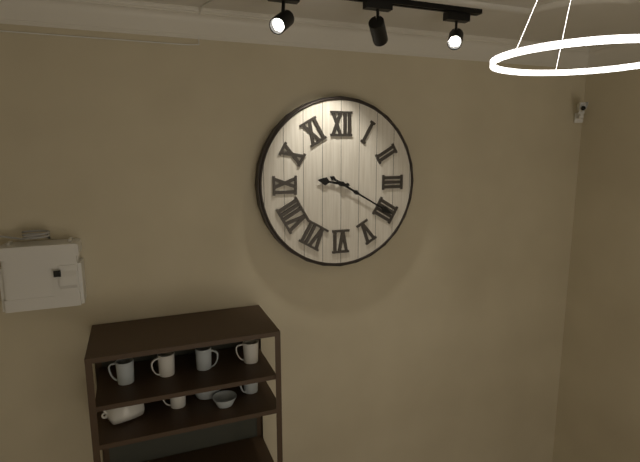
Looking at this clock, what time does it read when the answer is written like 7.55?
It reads 9.20
